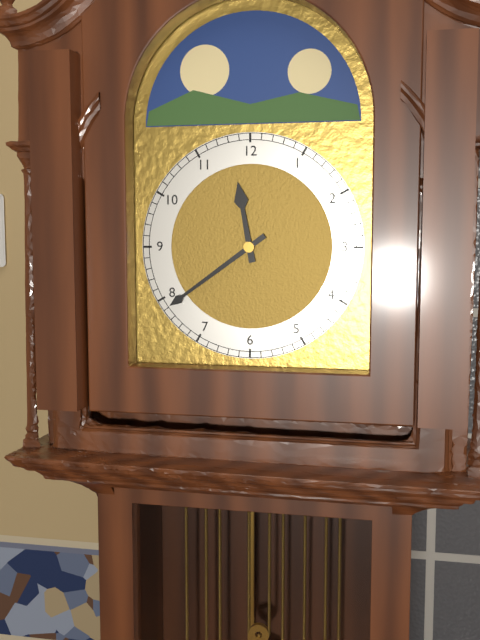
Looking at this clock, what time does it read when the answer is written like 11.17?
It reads 11.39
